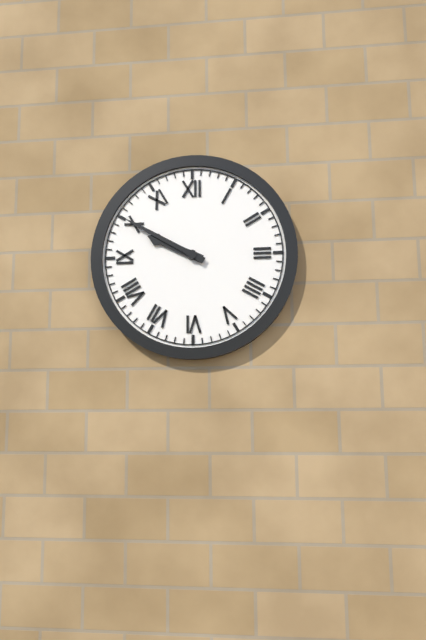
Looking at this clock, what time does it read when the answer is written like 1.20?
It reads 9.50
